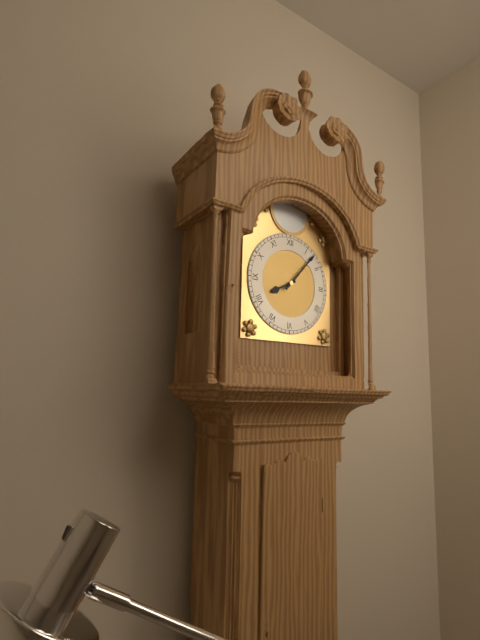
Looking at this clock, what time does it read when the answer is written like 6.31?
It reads 8.07
